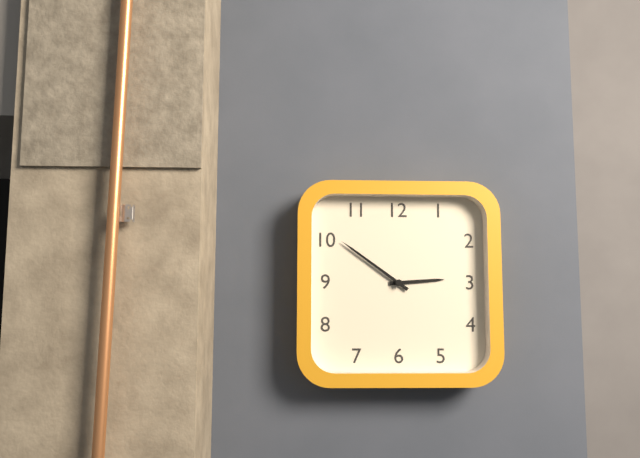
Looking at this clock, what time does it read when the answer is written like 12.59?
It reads 2.51
